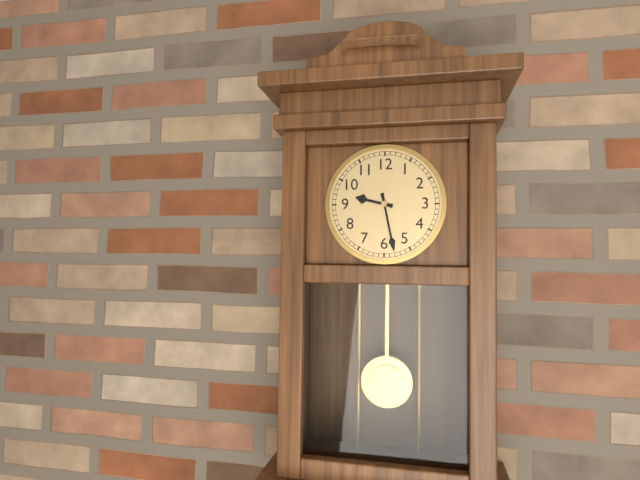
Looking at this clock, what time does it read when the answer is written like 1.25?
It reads 9.28
